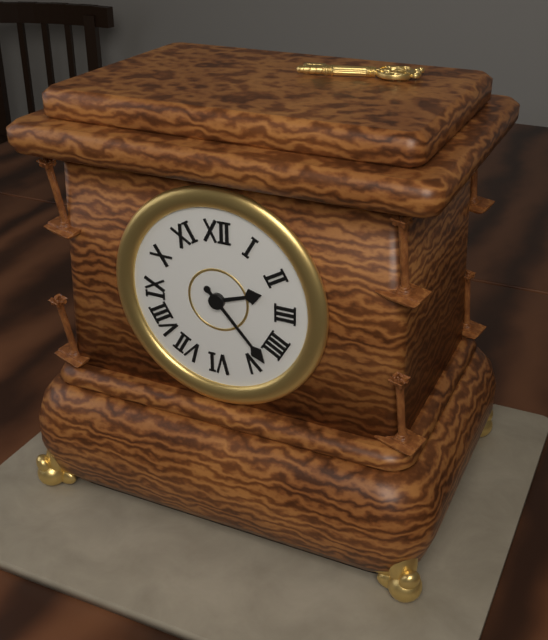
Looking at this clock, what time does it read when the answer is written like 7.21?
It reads 2.23
